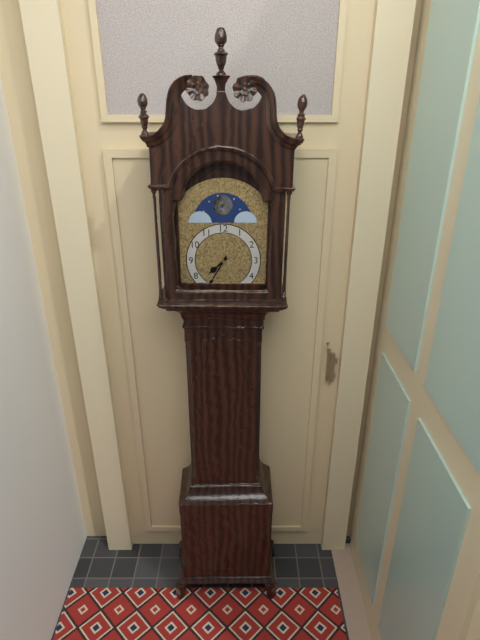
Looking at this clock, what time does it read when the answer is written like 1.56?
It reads 7.35
